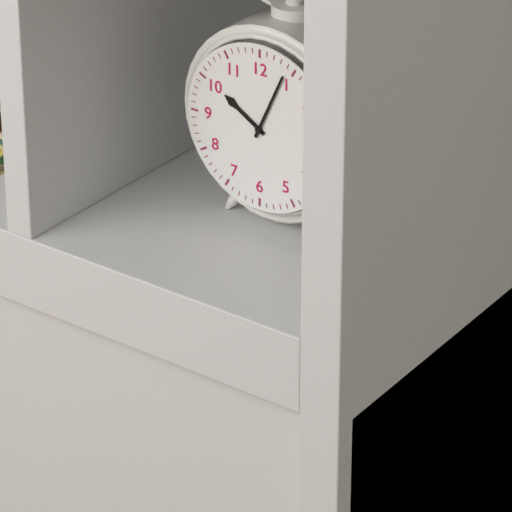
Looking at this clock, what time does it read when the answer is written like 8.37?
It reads 10.04
